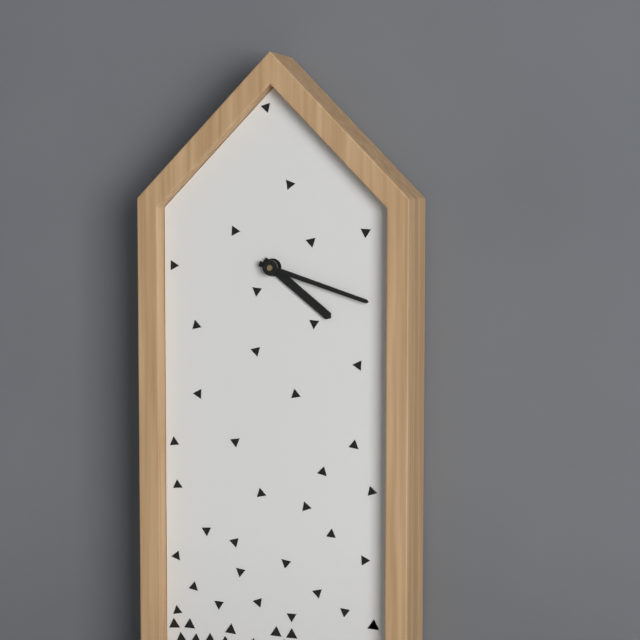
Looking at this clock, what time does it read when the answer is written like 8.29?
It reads 4.18
